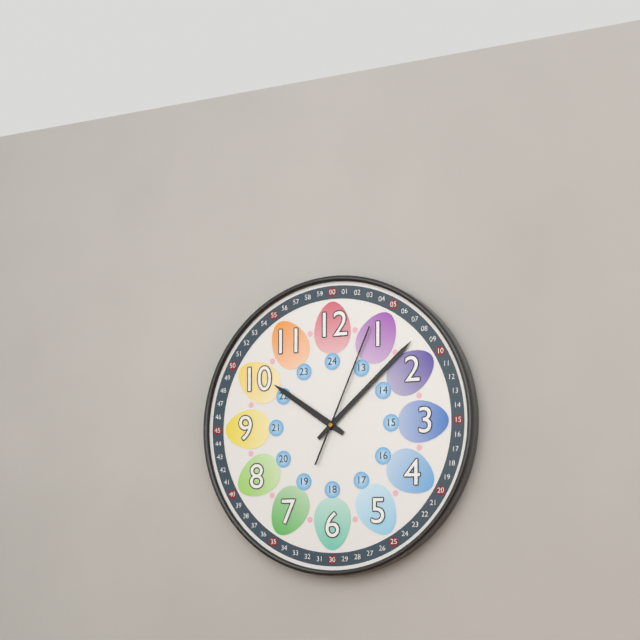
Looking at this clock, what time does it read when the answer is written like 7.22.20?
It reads 10.08.04
